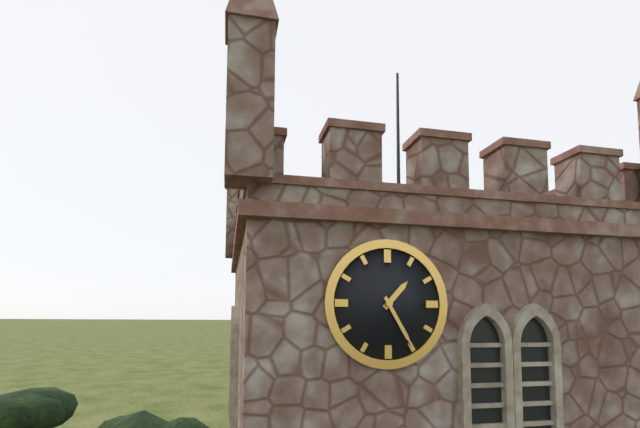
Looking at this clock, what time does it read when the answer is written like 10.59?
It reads 1.25
